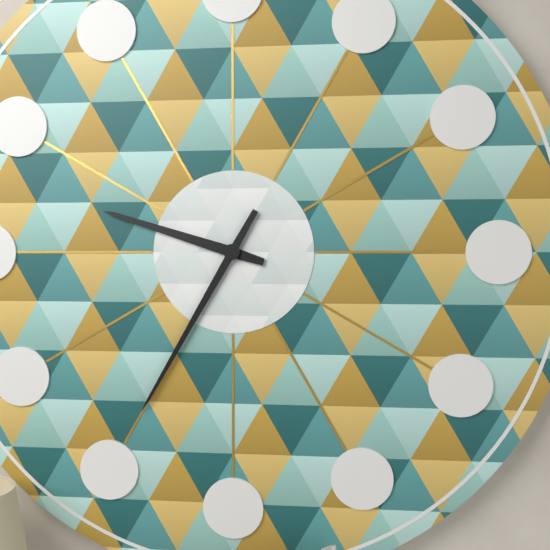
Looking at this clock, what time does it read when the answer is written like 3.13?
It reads 9.35
